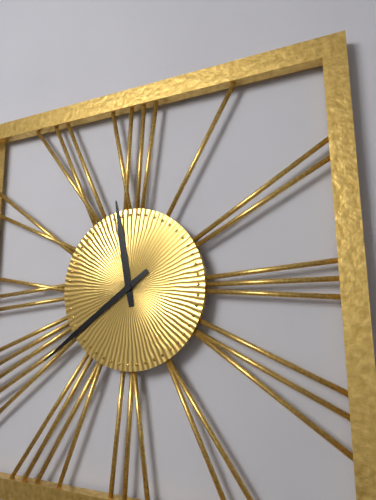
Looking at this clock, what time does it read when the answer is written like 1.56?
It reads 11.39
